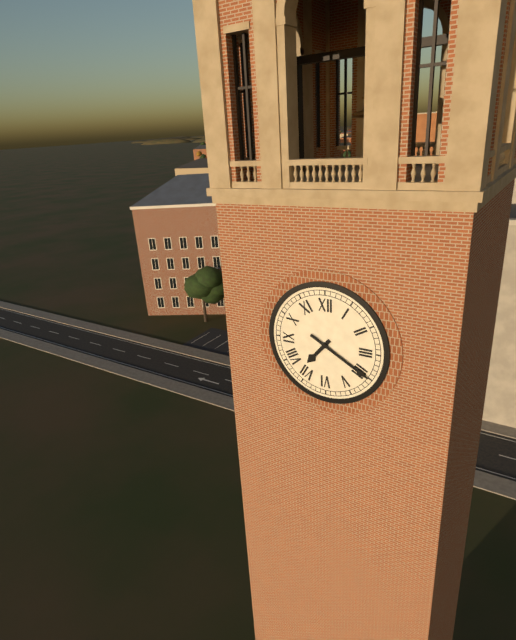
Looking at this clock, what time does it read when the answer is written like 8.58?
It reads 7.20
